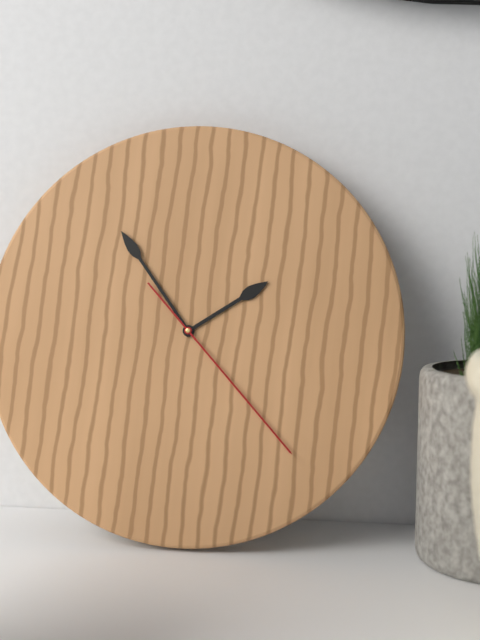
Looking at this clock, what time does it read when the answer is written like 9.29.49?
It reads 1.54.23
